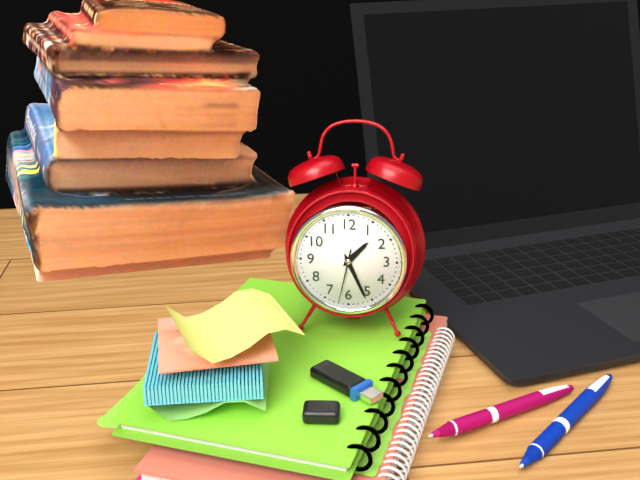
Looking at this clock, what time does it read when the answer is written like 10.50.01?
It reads 1.26.32
